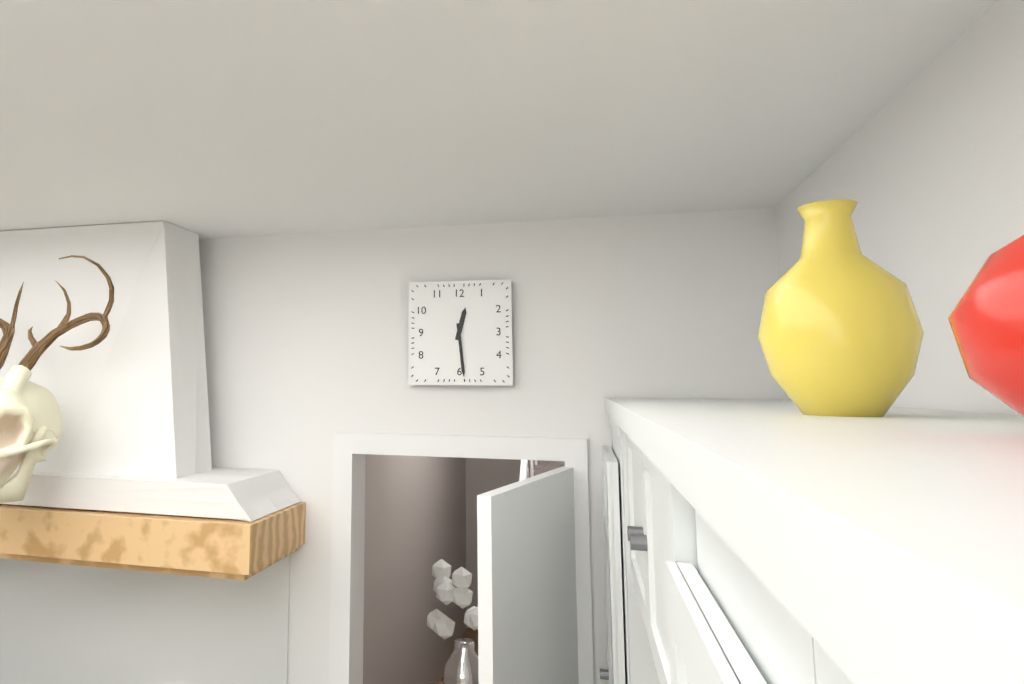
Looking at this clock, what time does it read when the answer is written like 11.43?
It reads 12.29
